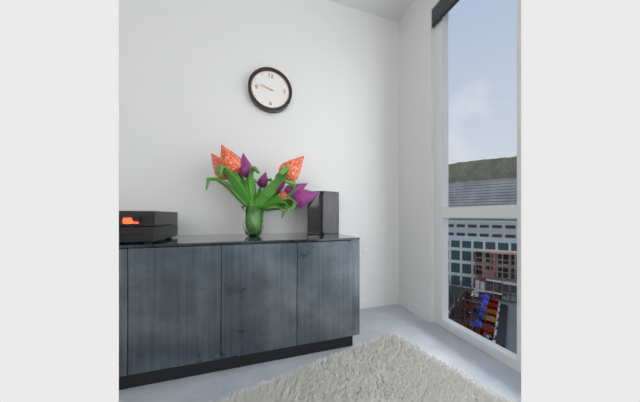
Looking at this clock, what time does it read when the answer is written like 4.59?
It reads 9.47
